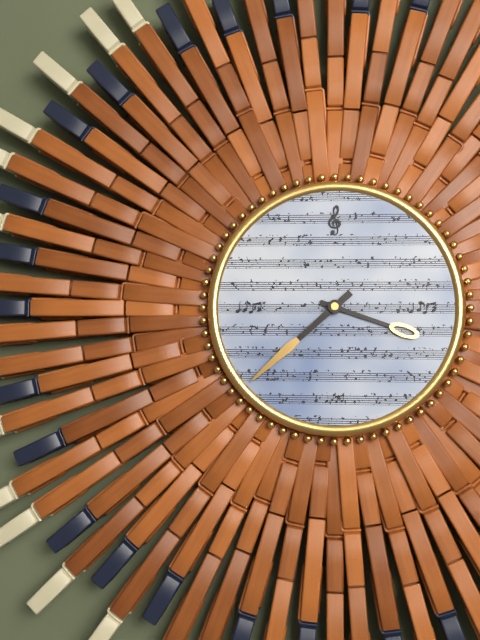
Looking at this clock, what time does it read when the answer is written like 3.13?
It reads 3.38
